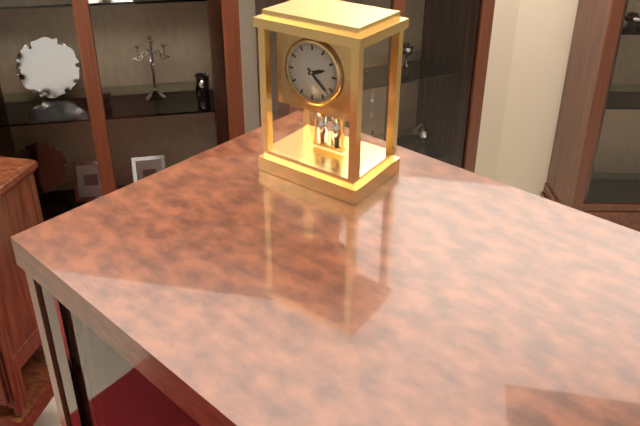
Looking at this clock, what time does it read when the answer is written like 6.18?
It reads 2.22
